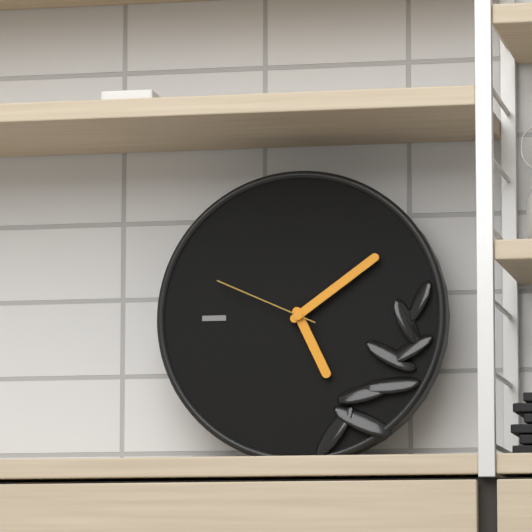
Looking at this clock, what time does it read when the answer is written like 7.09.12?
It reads 5.09.49
